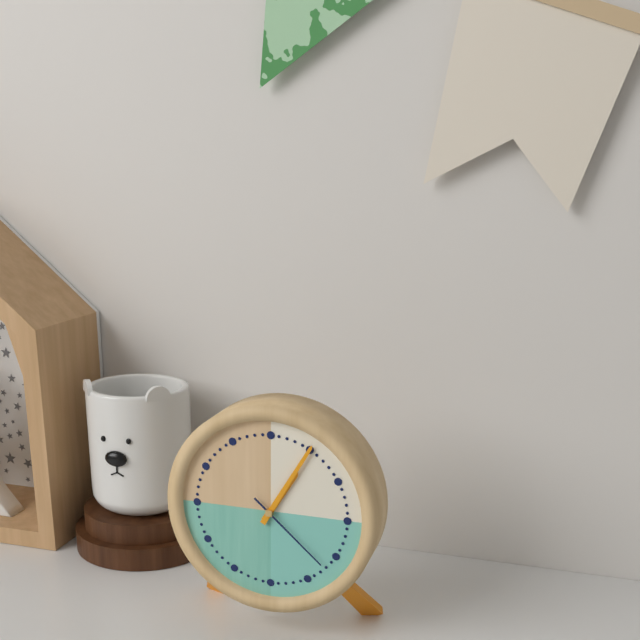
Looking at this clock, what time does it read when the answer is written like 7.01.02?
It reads 1.05.22
